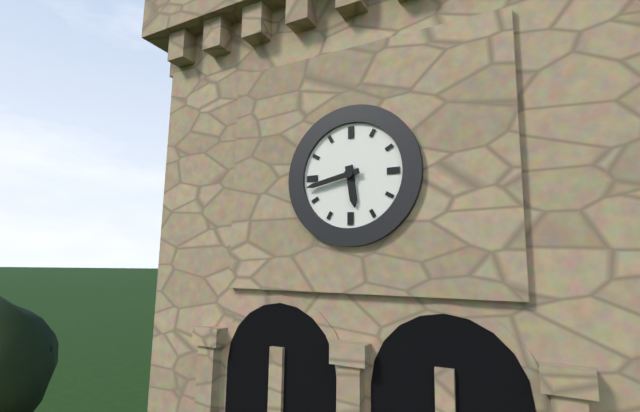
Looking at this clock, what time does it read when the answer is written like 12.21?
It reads 5.43
